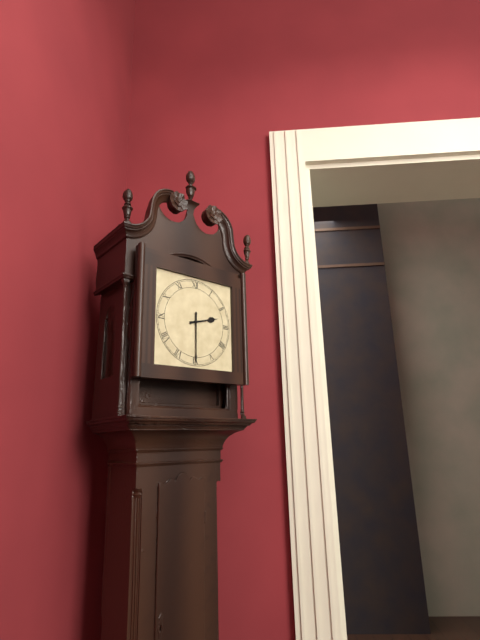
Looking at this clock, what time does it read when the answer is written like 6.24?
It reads 2.30
